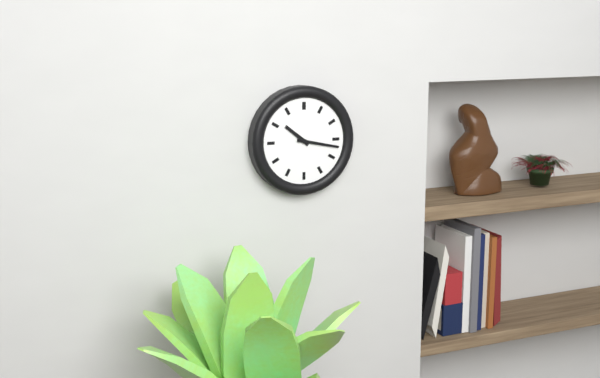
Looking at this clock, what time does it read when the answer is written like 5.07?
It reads 10.17
